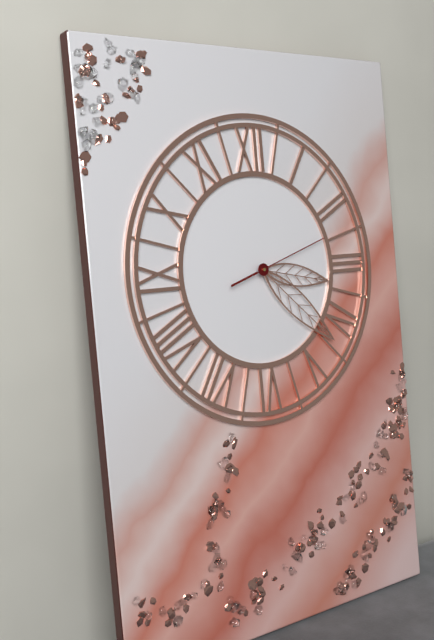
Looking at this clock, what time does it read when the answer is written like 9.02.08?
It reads 3.22.12
